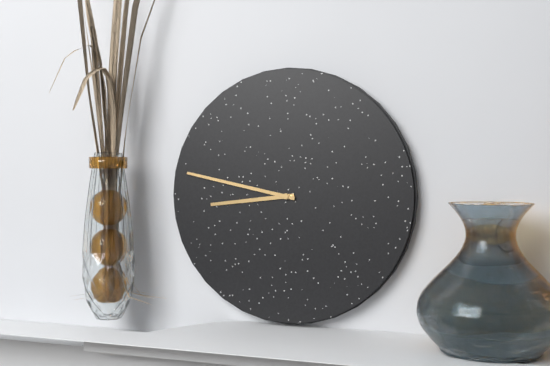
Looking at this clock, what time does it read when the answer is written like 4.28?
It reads 8.47
